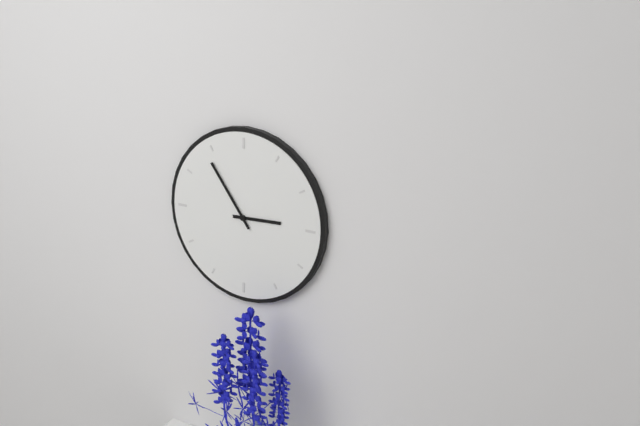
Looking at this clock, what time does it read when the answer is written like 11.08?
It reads 2.54
